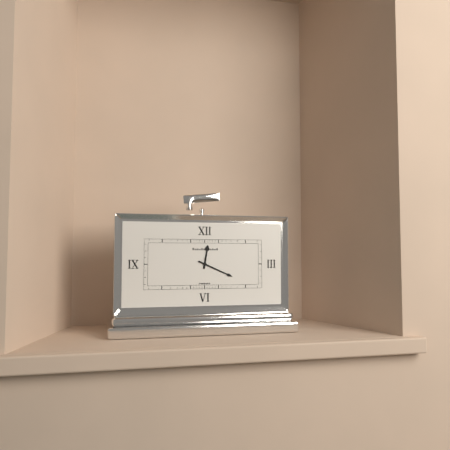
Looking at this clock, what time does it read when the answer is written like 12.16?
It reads 12.19
